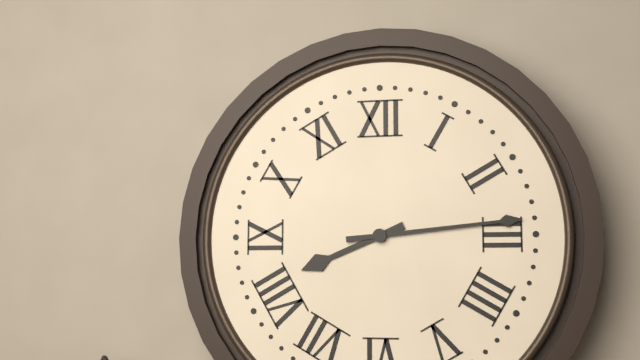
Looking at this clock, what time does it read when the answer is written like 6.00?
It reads 8.14
